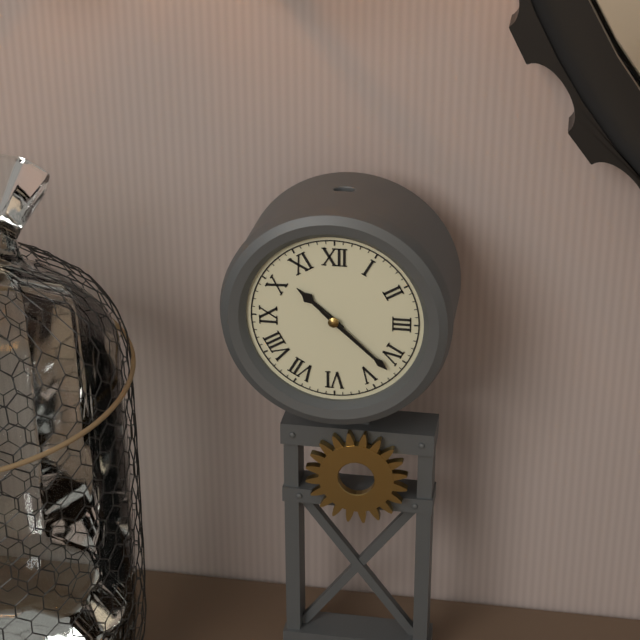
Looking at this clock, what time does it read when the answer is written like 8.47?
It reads 10.22
